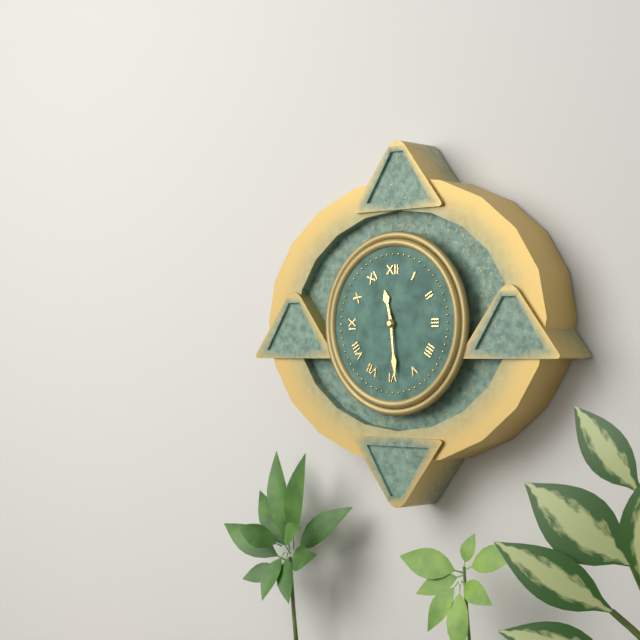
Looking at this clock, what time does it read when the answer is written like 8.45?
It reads 11.29
